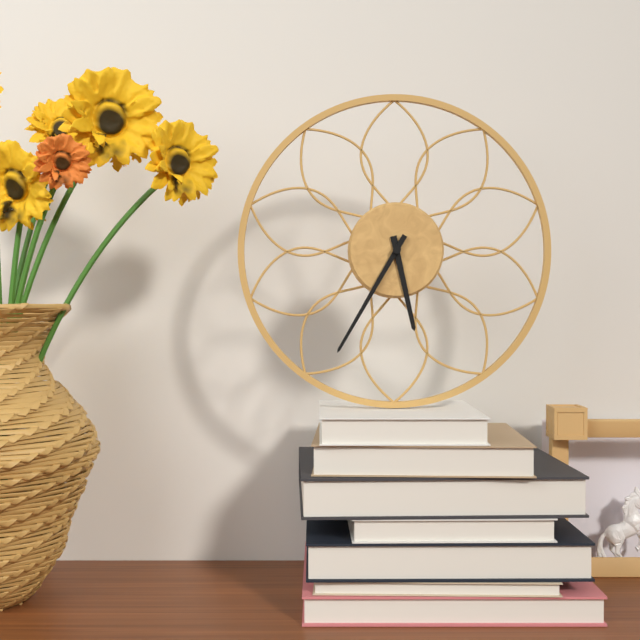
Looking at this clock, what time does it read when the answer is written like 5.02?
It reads 5.35
